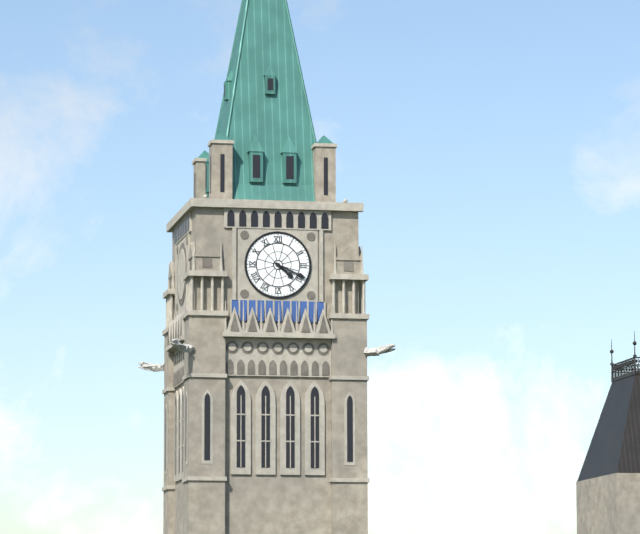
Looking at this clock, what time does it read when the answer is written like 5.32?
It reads 4.19
